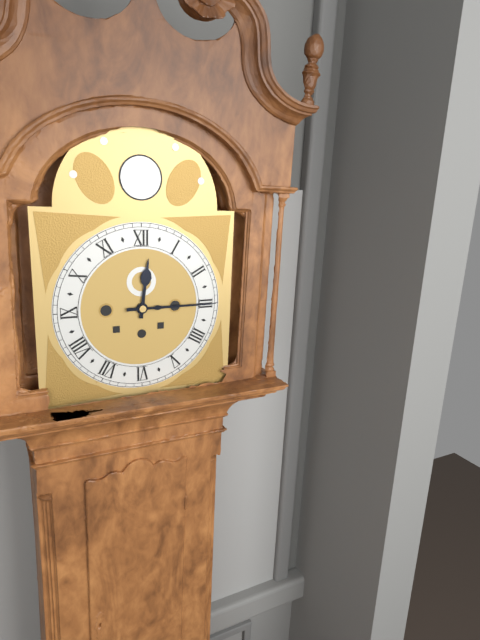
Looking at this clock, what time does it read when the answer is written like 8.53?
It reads 12.15
